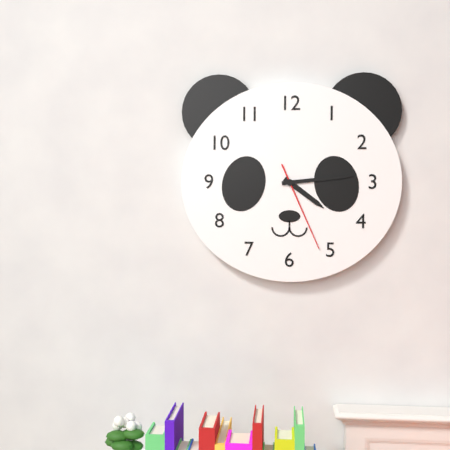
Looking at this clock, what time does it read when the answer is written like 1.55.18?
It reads 4.14.26
